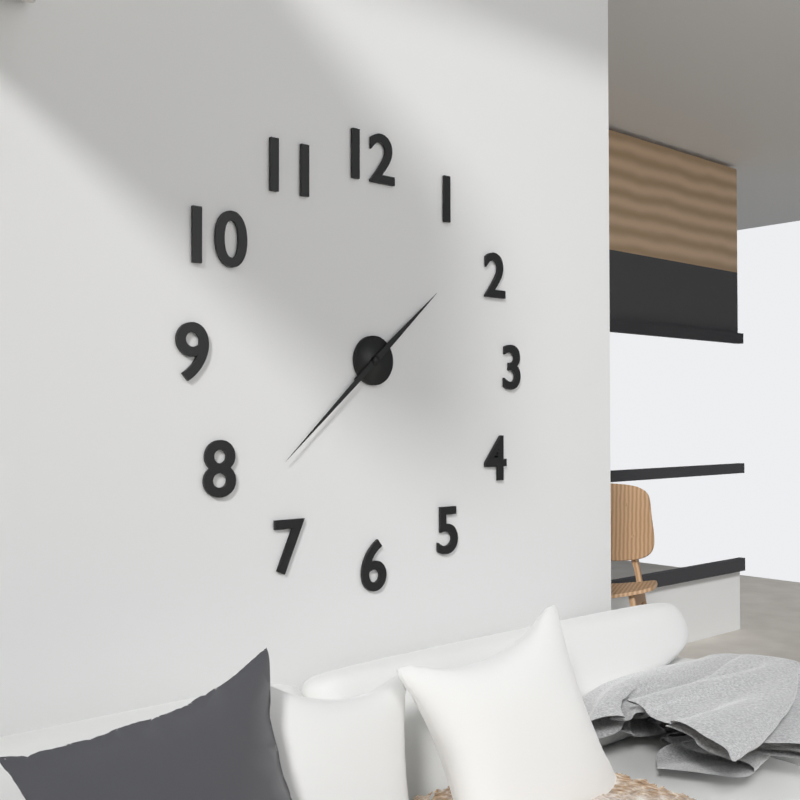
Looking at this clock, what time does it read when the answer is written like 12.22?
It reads 1.38
